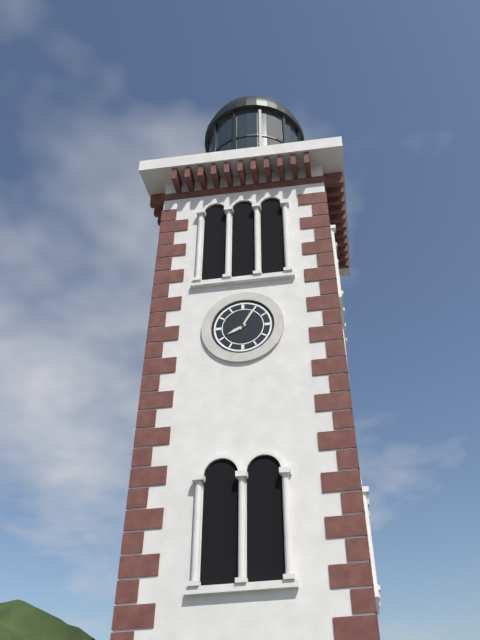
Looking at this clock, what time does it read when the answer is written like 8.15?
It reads 8.05
